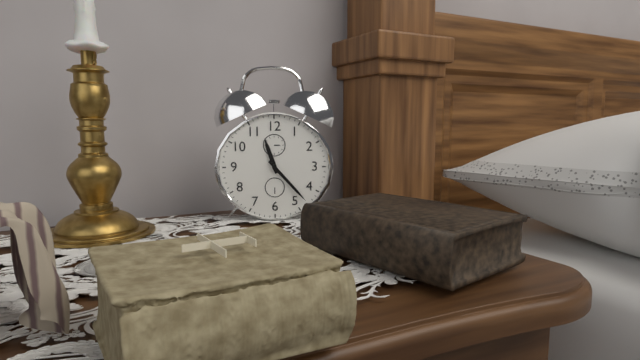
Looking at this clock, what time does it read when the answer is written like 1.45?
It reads 11.23
